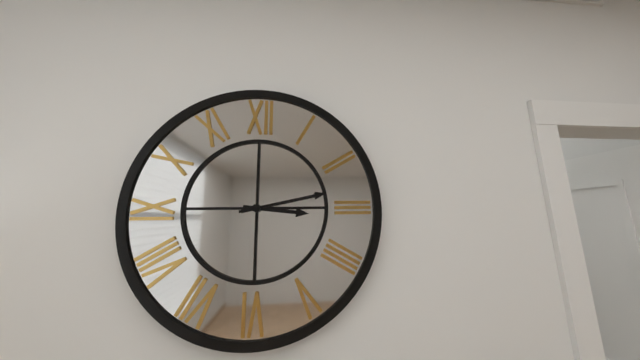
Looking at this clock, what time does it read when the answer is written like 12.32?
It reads 3.13
